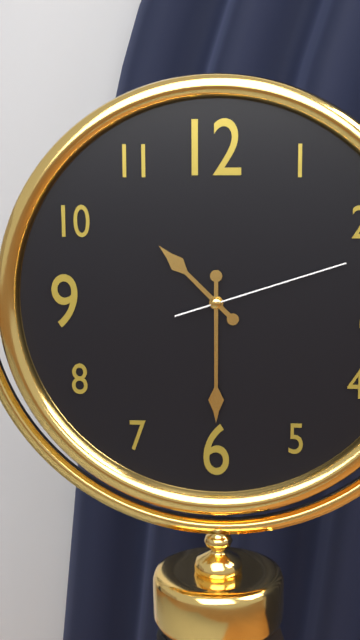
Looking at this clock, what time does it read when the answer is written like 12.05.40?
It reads 10.30.12
